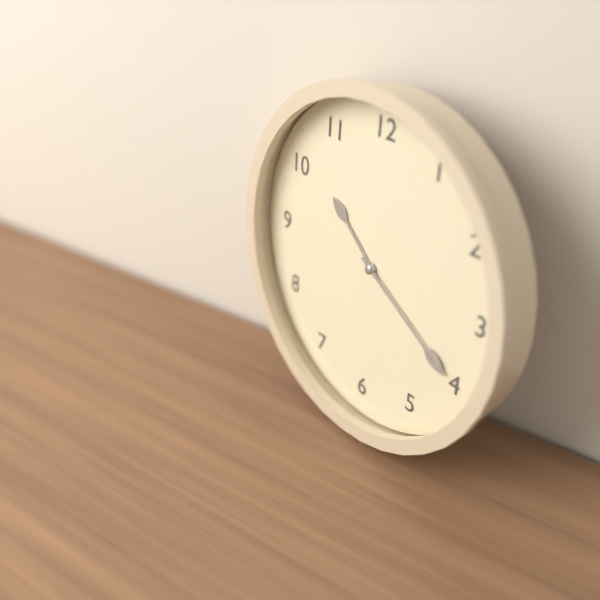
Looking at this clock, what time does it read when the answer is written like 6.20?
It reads 10.20
